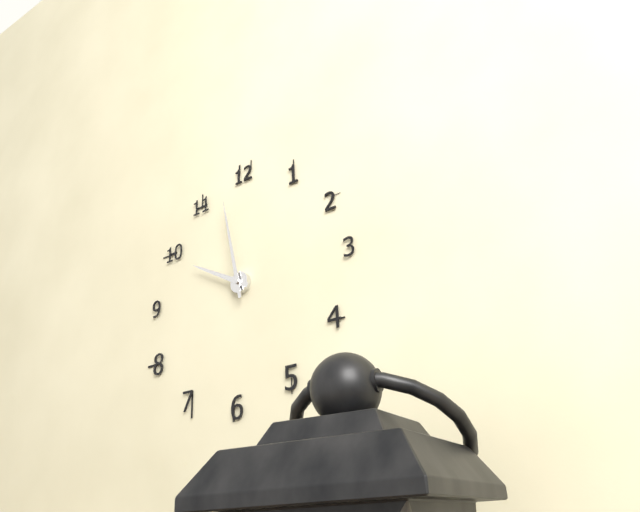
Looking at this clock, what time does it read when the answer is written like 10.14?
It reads 9.58
